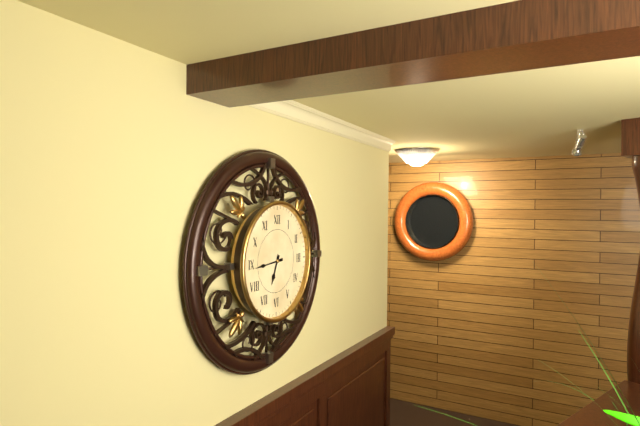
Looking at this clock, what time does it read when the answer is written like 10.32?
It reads 6.44
